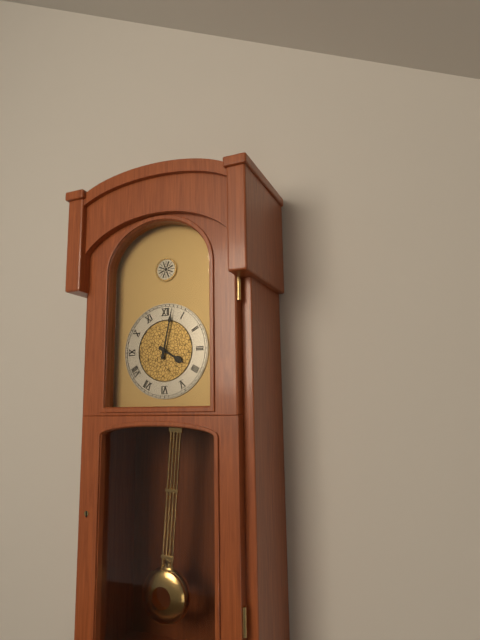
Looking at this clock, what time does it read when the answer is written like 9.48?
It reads 4.02
